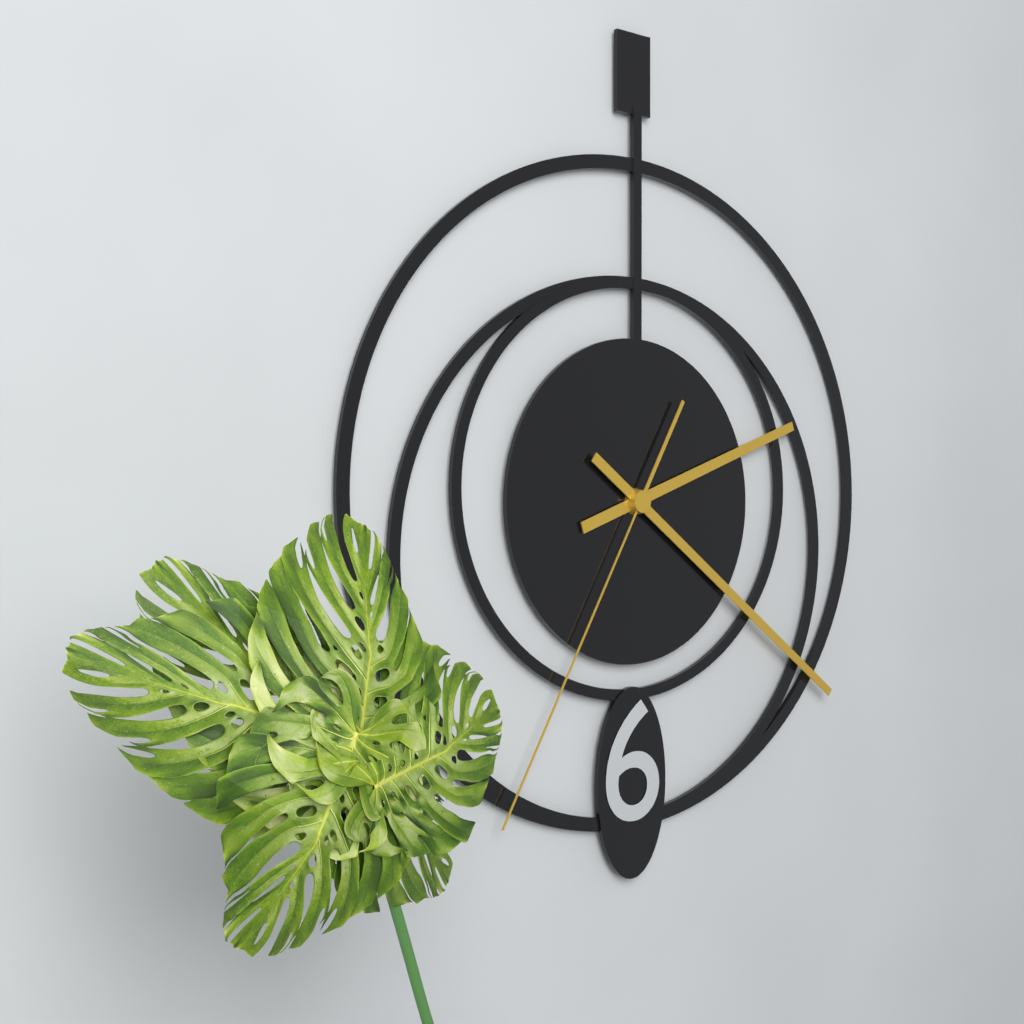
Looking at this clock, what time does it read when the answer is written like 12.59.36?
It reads 2.21.35
